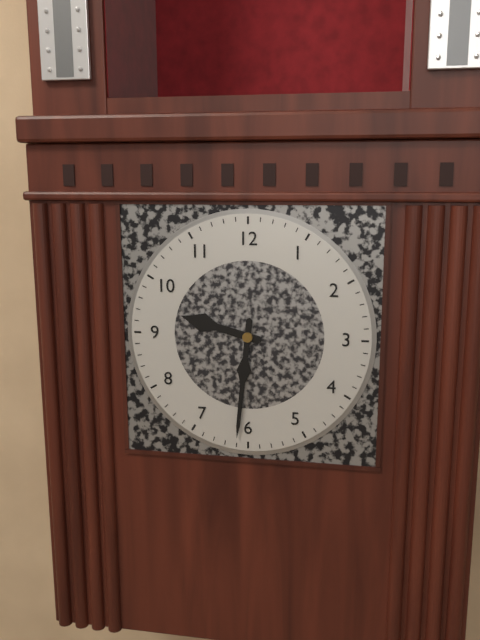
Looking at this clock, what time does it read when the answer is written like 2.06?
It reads 9.31
